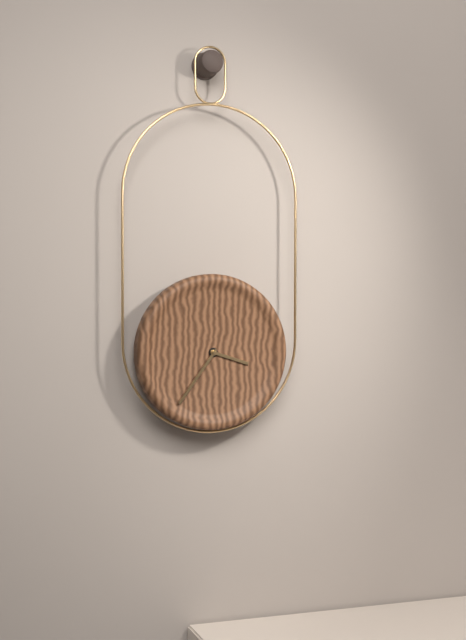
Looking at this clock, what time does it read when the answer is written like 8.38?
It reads 3.36
